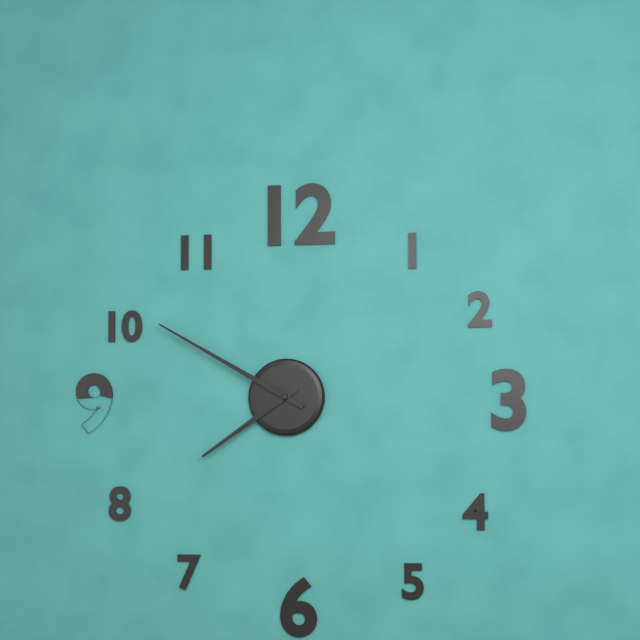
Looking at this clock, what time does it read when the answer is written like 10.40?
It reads 7.50
